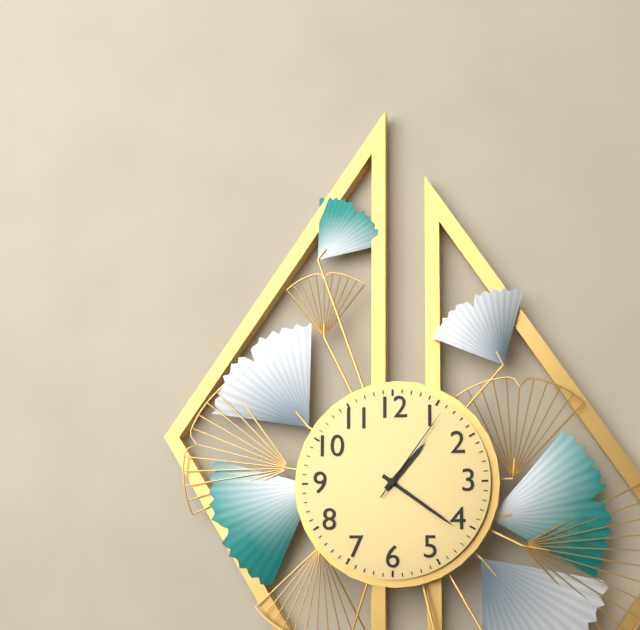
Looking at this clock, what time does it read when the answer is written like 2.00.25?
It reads 1.21.06
